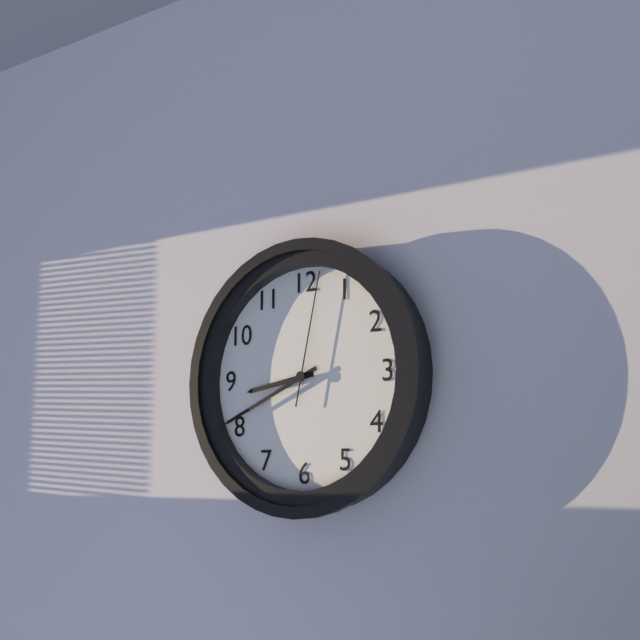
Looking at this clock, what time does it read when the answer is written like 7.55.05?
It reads 8.41.02
